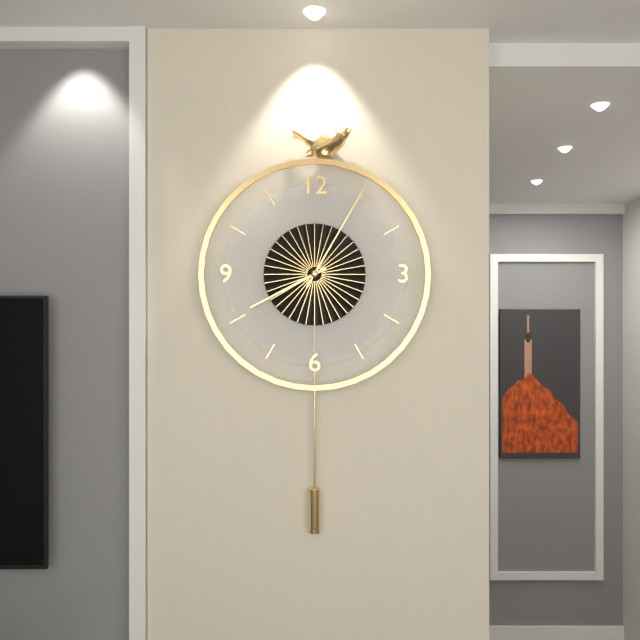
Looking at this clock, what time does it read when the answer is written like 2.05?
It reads 8.05
